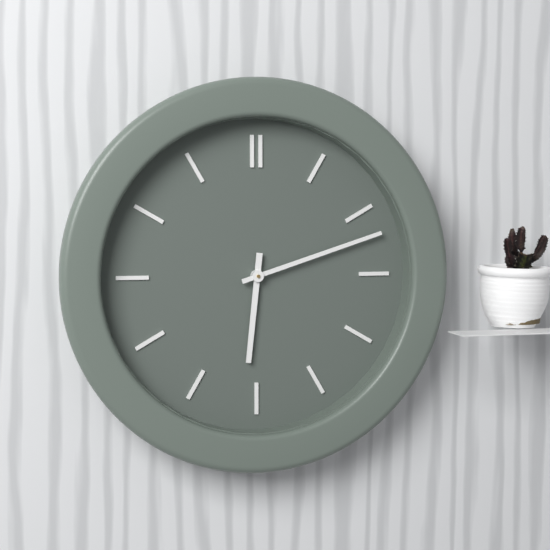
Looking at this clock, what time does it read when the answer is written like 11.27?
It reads 6.12
